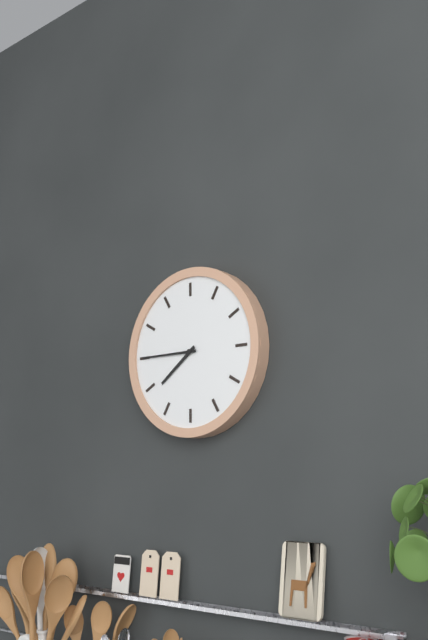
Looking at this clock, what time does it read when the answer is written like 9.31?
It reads 7.45
